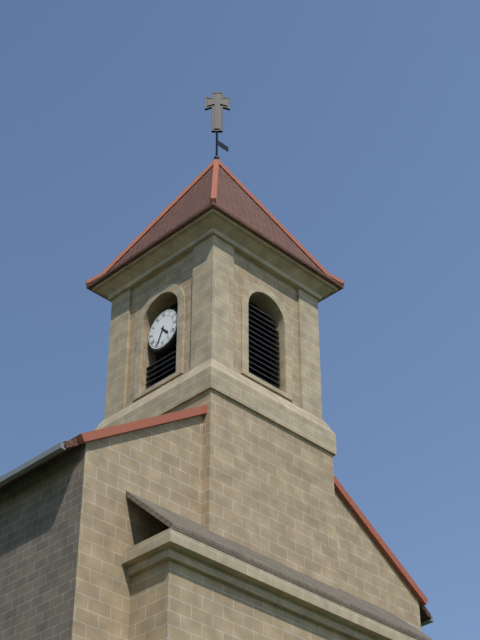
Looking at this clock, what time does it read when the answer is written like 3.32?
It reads 4.34
